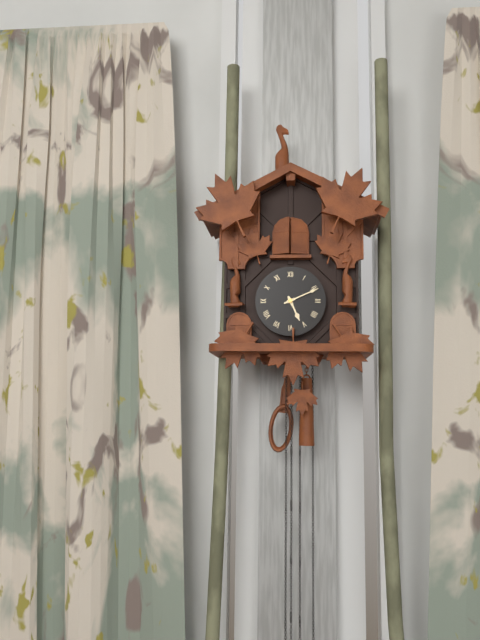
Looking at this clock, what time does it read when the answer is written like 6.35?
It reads 5.11
